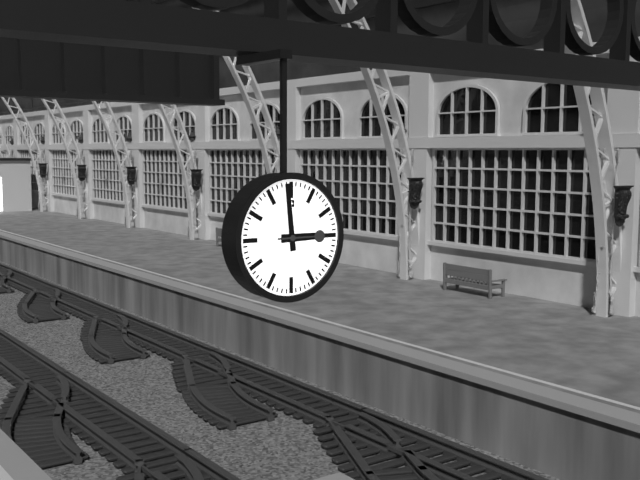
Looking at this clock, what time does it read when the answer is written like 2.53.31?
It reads 2.59.15
